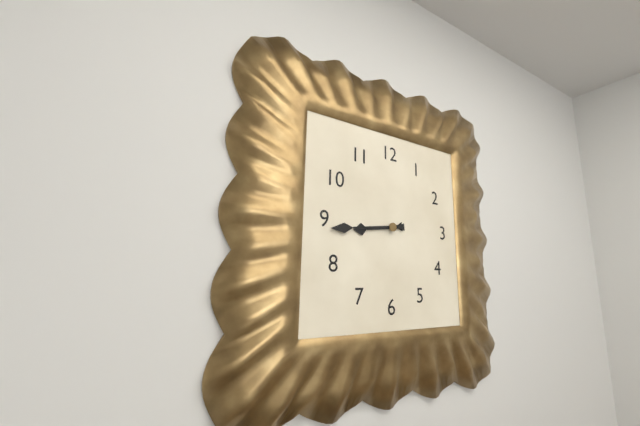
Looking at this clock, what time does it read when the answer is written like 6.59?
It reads 8.44
